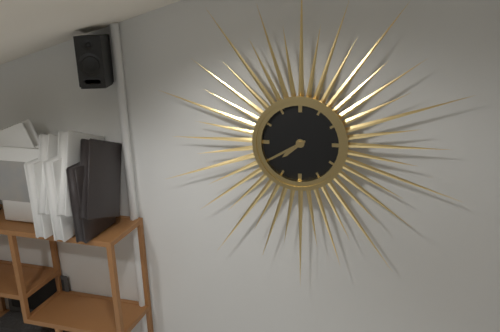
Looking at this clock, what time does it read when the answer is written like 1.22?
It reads 7.40
